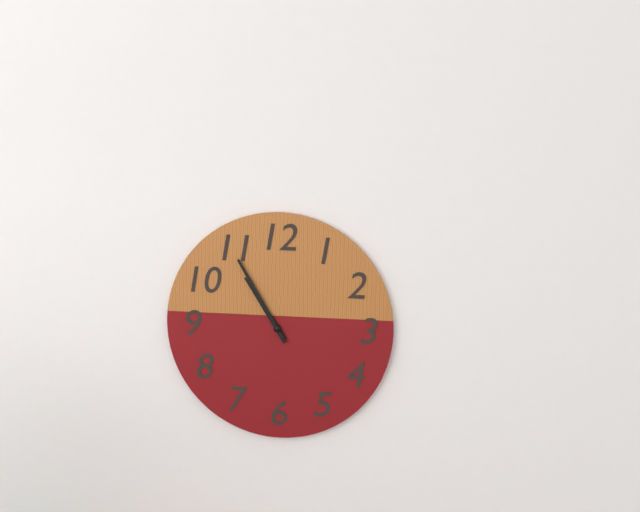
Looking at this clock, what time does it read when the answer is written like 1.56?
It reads 10.55
